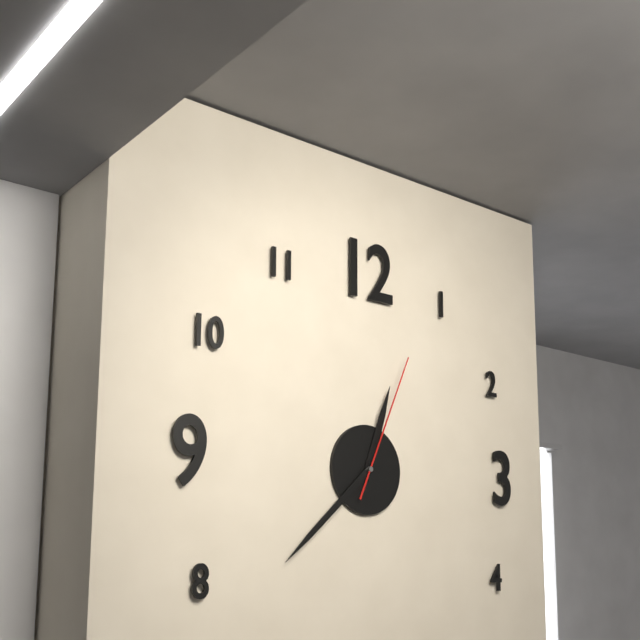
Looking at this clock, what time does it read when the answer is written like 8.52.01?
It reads 12.38.04
